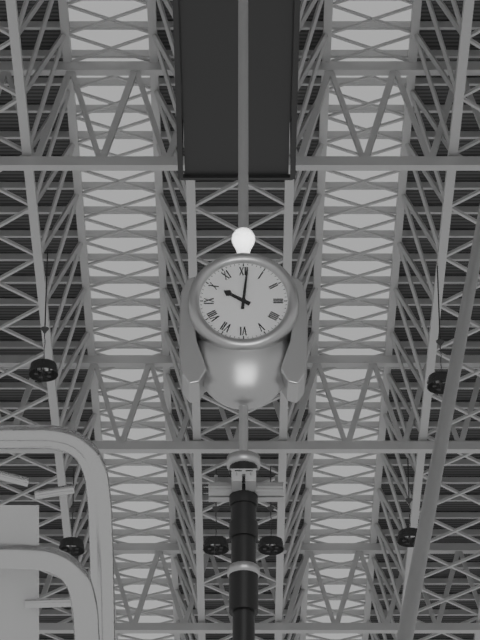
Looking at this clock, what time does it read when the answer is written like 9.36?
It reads 10.01
